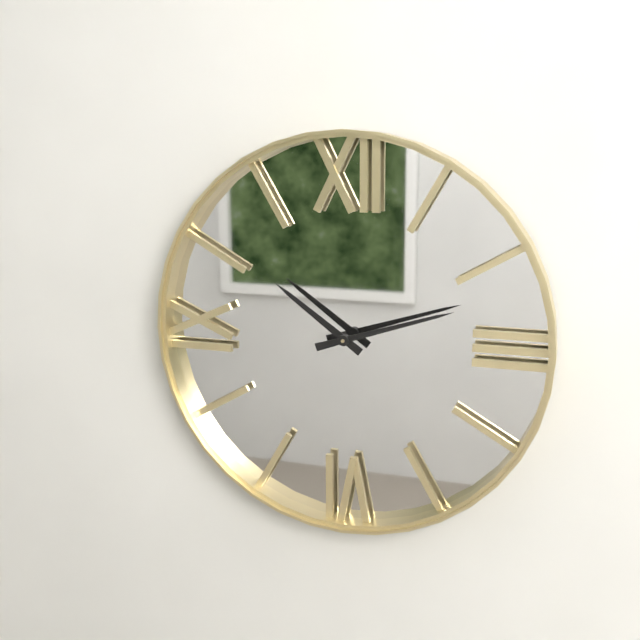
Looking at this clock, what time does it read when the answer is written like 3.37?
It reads 10.12
